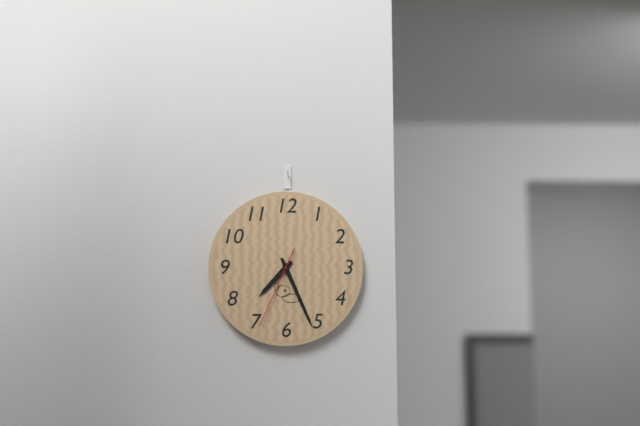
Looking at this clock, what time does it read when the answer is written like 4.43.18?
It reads 7.26.34
